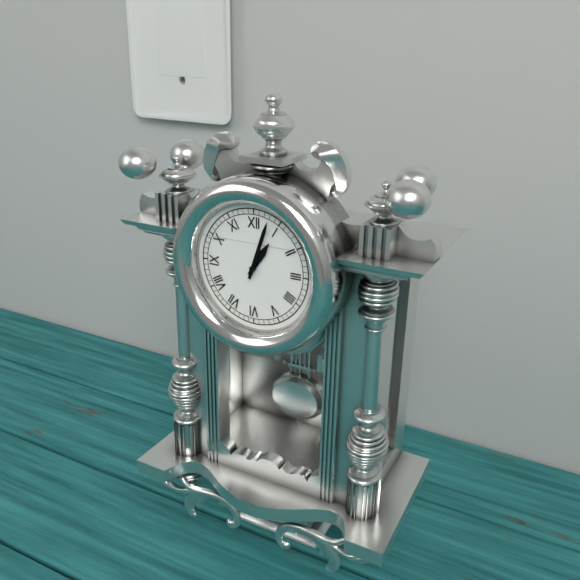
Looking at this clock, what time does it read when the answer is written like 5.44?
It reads 1.03
